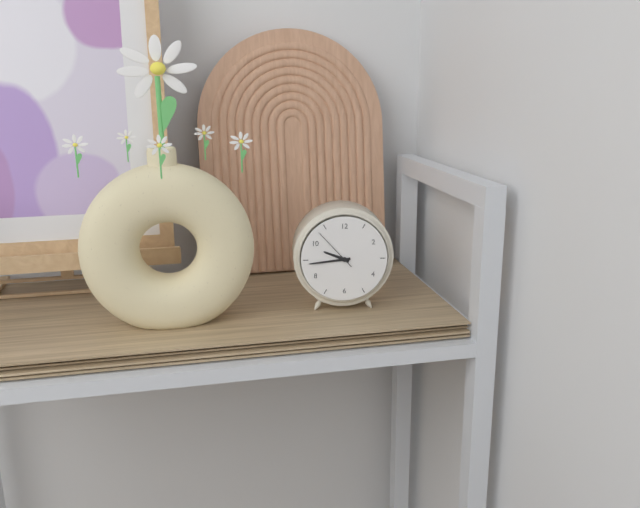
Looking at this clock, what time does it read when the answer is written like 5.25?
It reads 9.44
